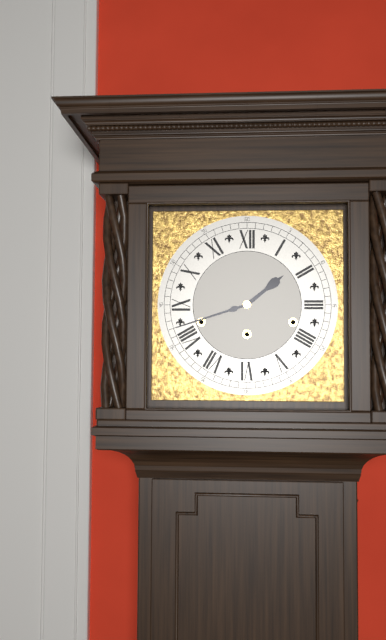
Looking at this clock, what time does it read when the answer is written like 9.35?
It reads 1.42
